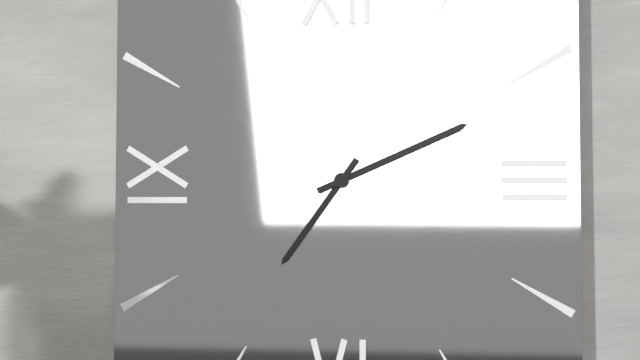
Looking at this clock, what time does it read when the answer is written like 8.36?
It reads 7.11
